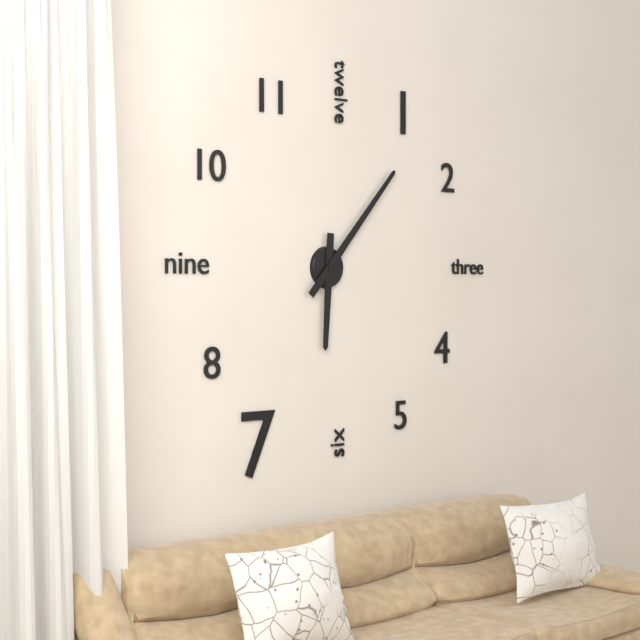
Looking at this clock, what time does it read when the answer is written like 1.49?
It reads 6.07
